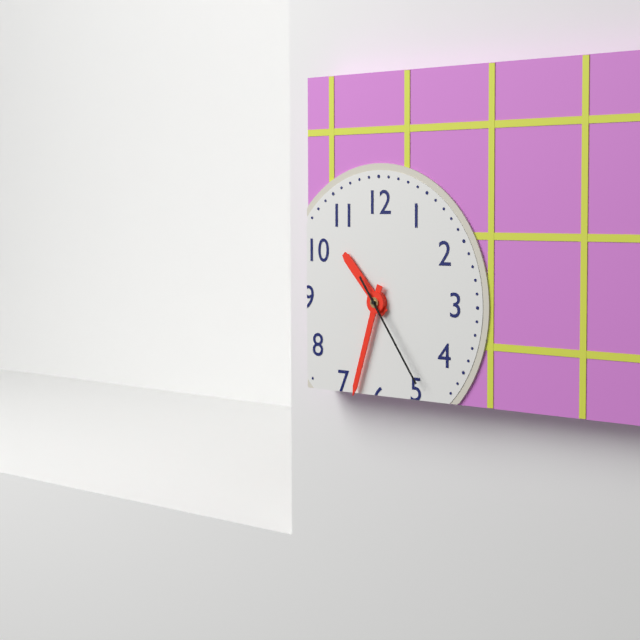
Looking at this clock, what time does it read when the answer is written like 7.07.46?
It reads 10.33.24
